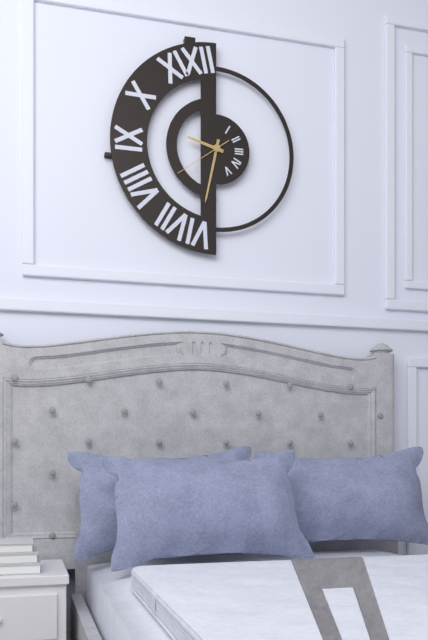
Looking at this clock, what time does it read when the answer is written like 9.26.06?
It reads 9.32.39
